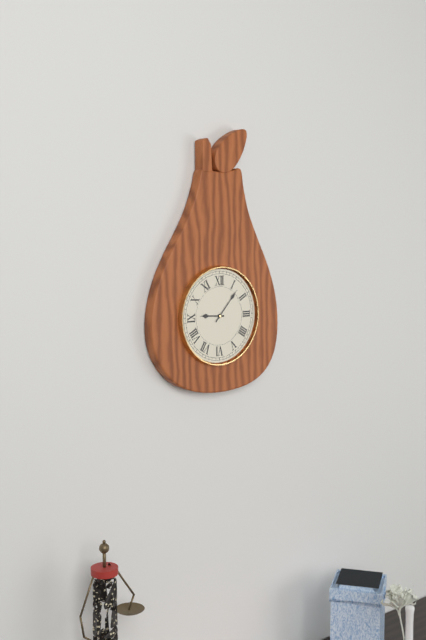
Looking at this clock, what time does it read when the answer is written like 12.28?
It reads 9.07
